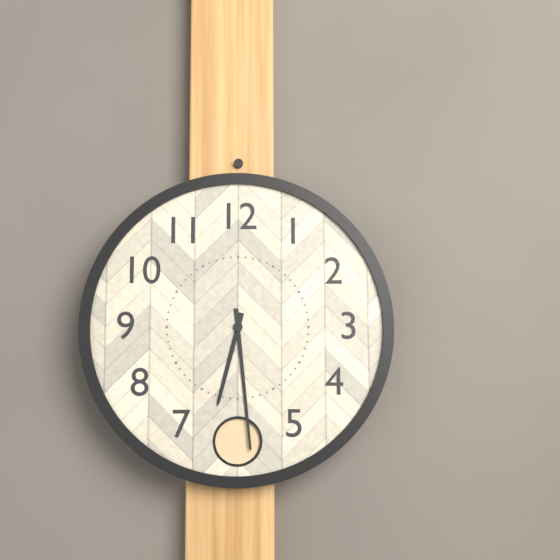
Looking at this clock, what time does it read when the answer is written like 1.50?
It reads 6.29
